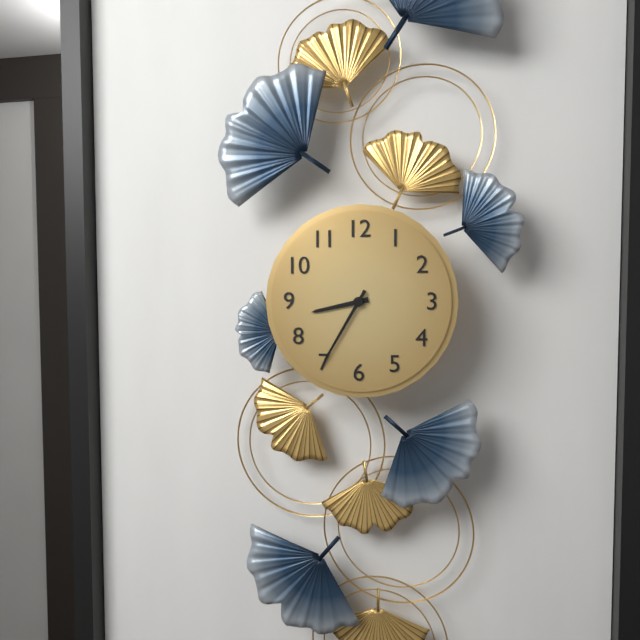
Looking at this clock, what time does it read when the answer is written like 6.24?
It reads 8.35
